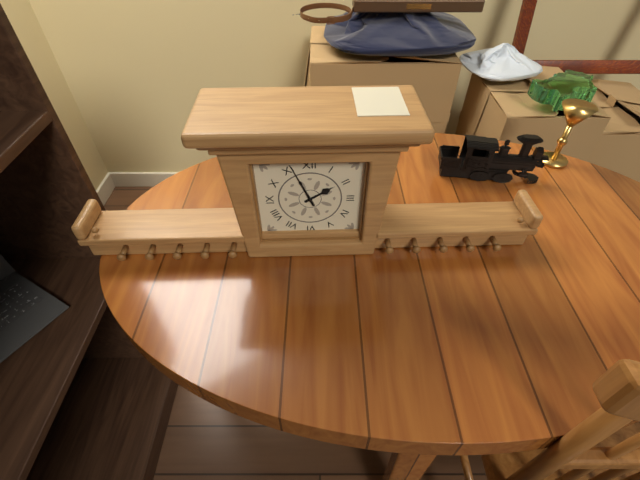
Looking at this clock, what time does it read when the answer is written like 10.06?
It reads 1.56
